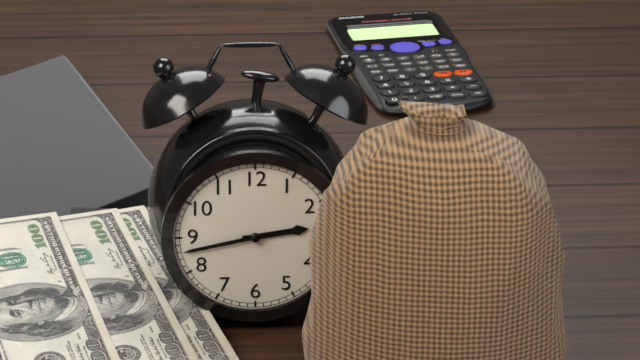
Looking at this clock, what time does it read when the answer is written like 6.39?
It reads 2.43
